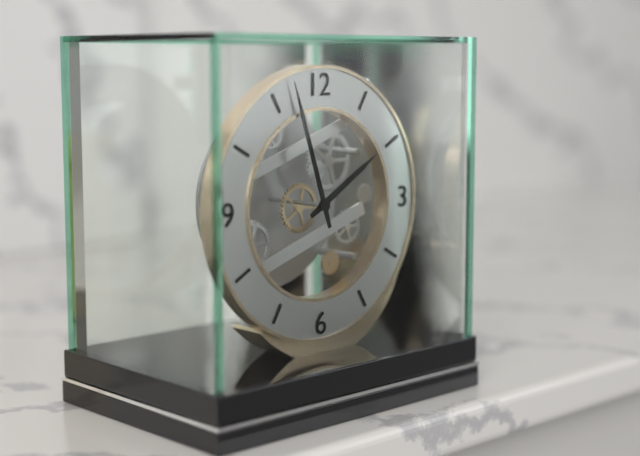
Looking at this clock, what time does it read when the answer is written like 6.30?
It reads 1.57
